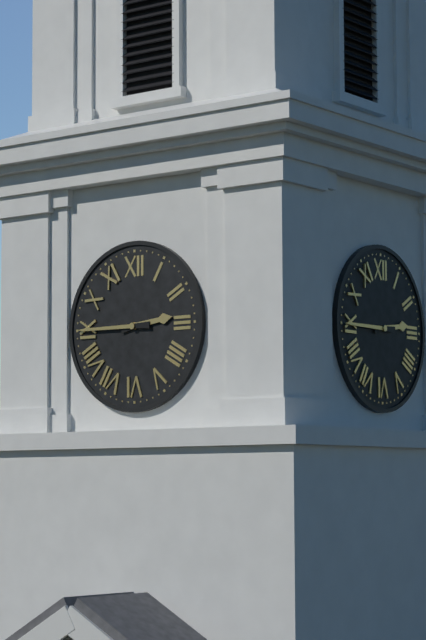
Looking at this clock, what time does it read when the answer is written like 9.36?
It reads 2.45
